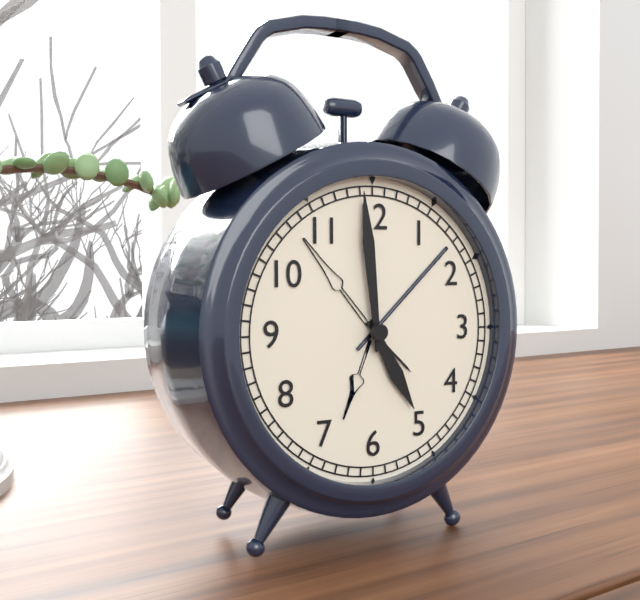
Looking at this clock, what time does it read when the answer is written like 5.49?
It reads 4.59
